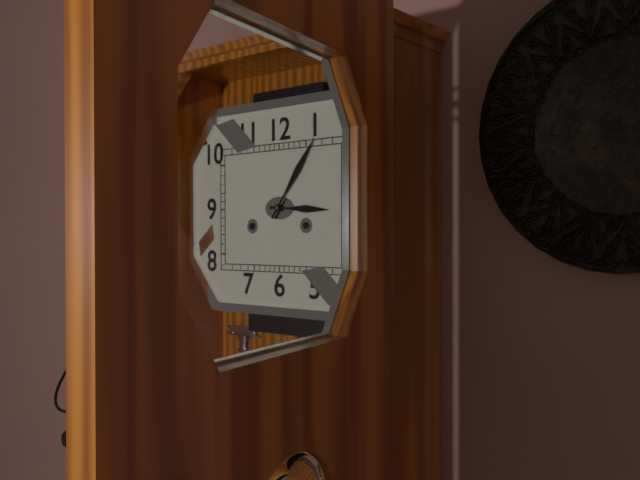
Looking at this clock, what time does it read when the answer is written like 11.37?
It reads 3.06
